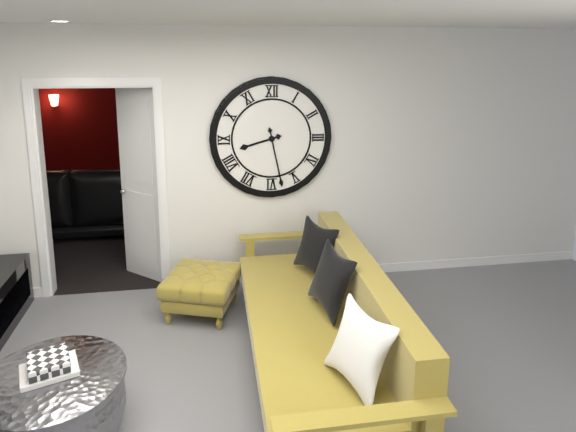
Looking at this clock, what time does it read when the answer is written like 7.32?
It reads 8.28
